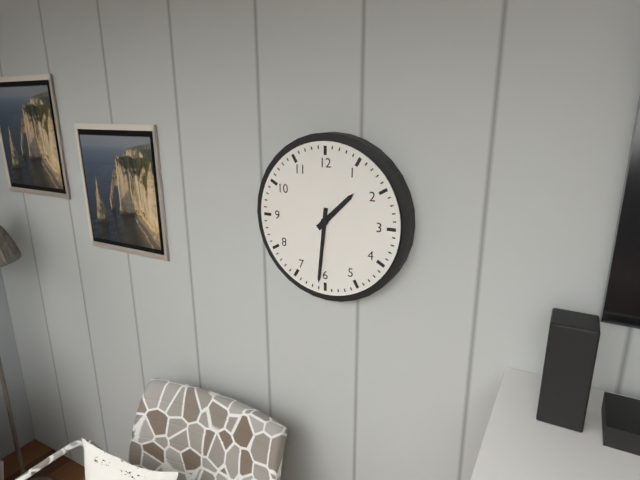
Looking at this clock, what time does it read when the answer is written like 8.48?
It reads 1.31
